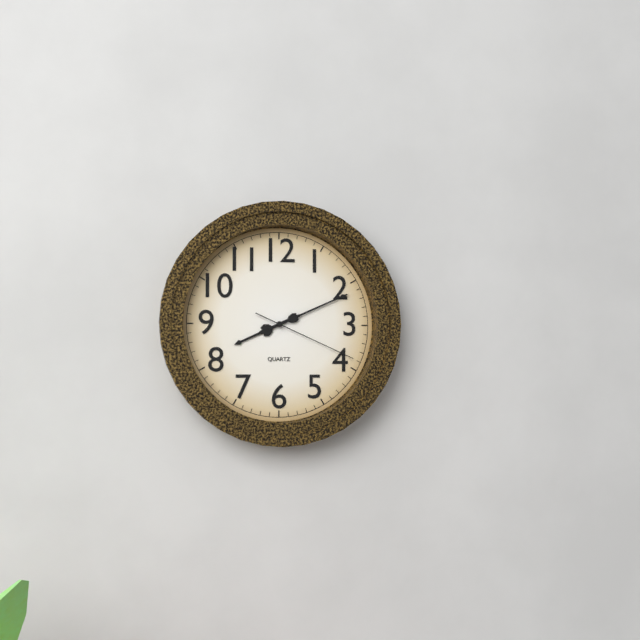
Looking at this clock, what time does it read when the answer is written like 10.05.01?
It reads 8.11.19
